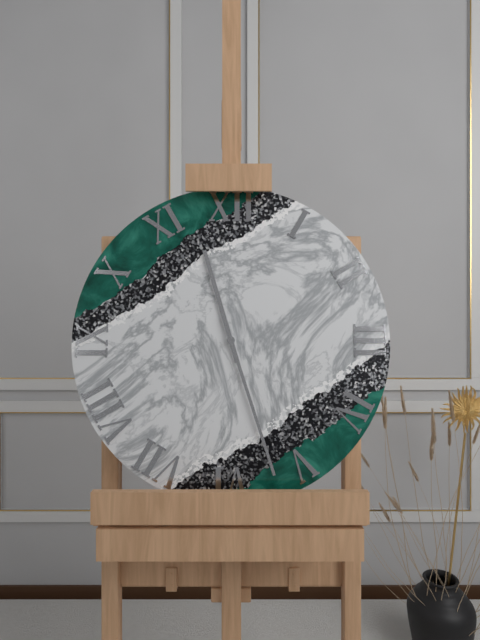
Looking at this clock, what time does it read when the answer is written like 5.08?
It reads 11.27
